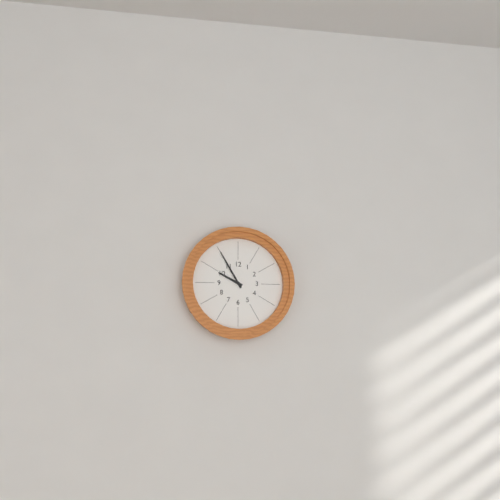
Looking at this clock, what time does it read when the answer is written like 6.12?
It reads 9.55
